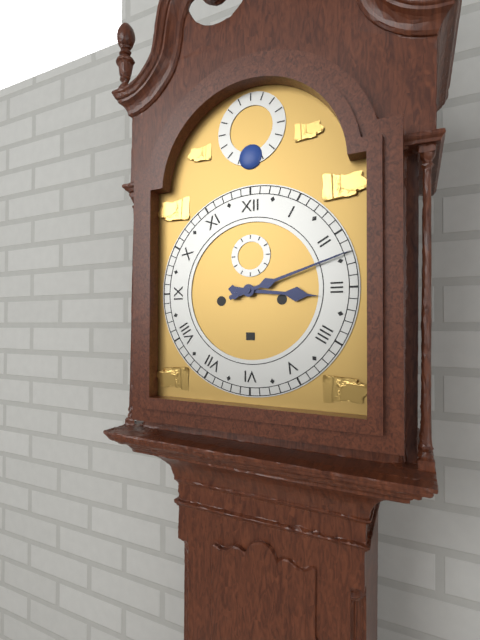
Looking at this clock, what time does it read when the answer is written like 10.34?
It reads 3.12
